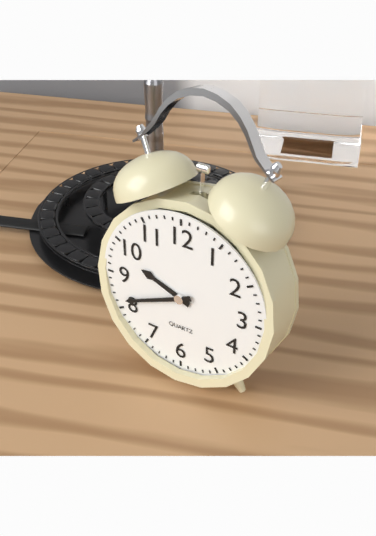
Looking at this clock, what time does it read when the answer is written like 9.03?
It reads 9.41
